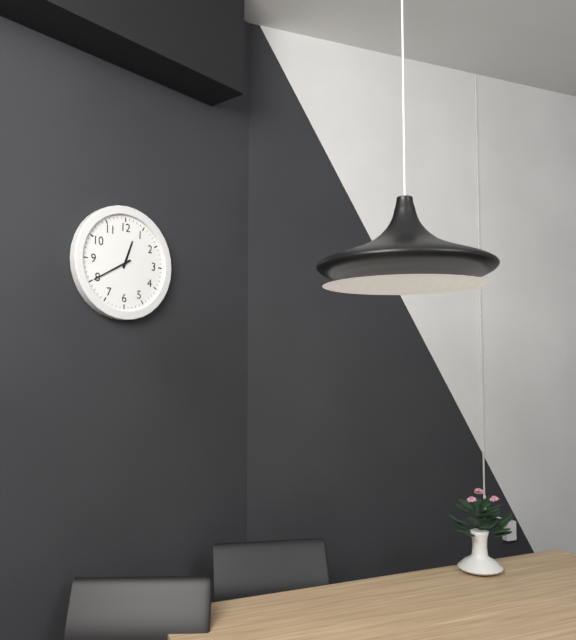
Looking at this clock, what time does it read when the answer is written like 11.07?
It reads 12.40
